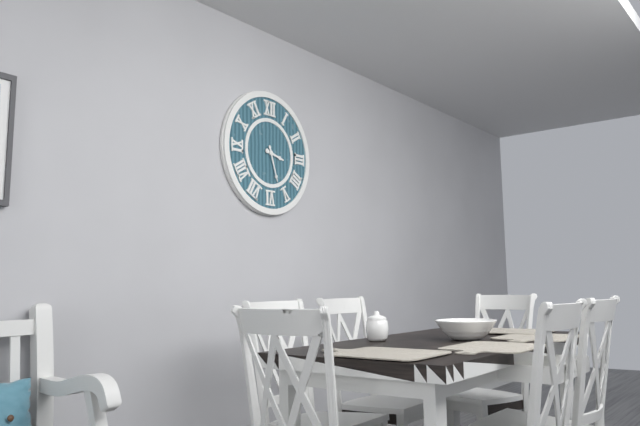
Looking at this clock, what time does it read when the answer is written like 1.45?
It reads 3.27
